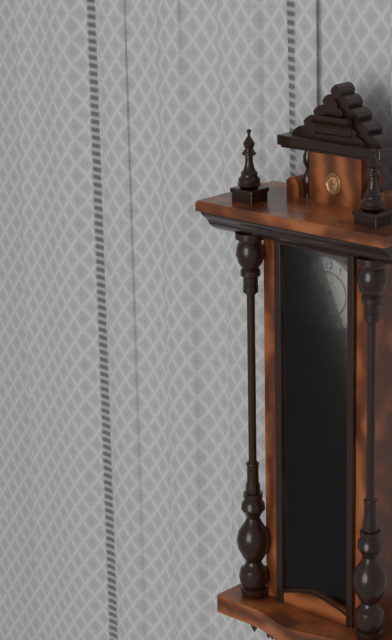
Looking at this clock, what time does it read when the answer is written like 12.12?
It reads 6.47
